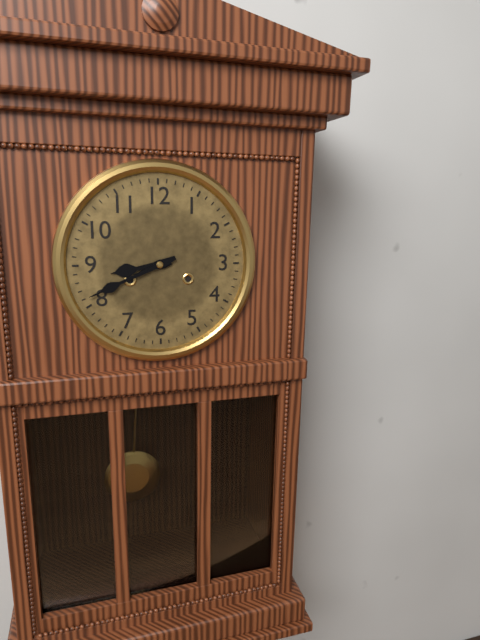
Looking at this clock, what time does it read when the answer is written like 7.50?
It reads 8.41
